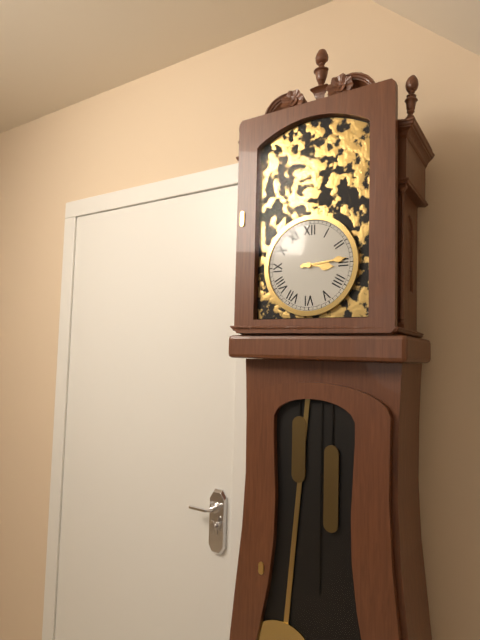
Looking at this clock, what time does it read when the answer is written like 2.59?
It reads 3.14
